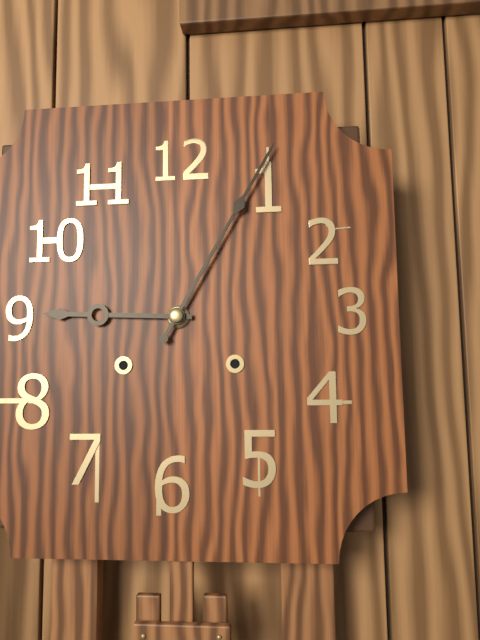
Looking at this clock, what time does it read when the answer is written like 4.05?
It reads 9.05
